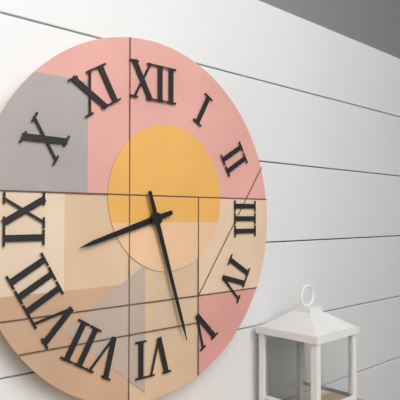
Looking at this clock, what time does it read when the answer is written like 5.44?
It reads 8.27
